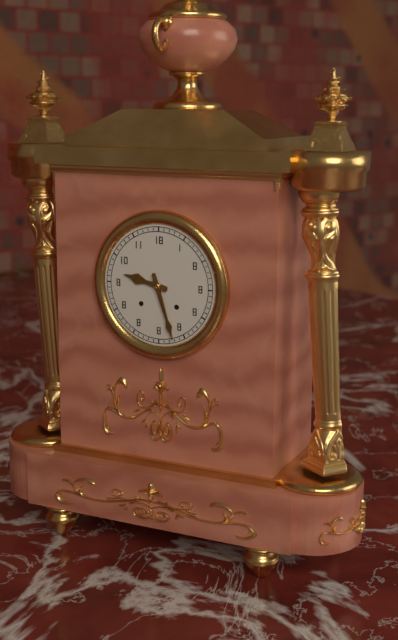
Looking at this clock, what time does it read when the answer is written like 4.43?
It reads 9.27
